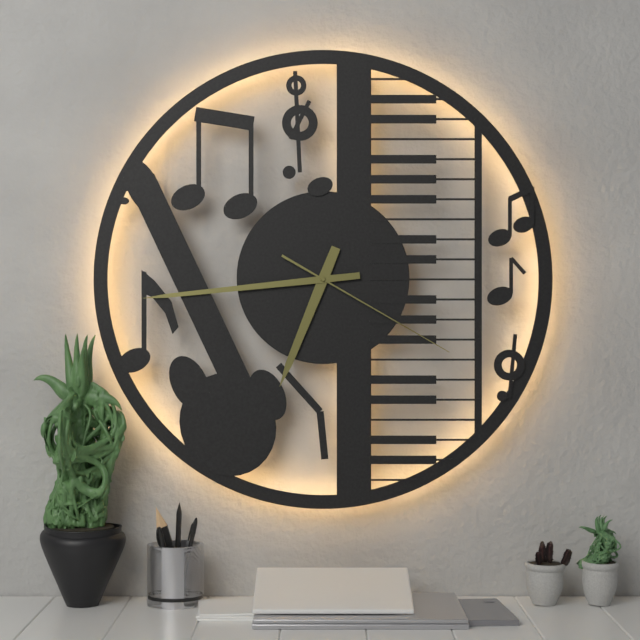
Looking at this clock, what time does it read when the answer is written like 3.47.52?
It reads 6.44.20
